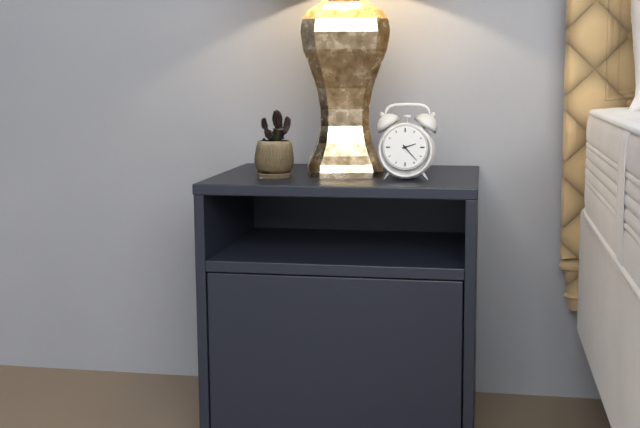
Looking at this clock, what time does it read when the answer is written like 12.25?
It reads 2.23
